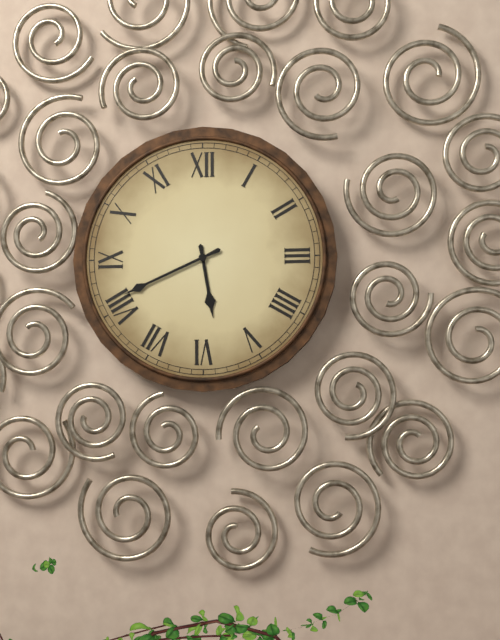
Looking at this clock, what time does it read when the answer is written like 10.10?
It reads 5.41
